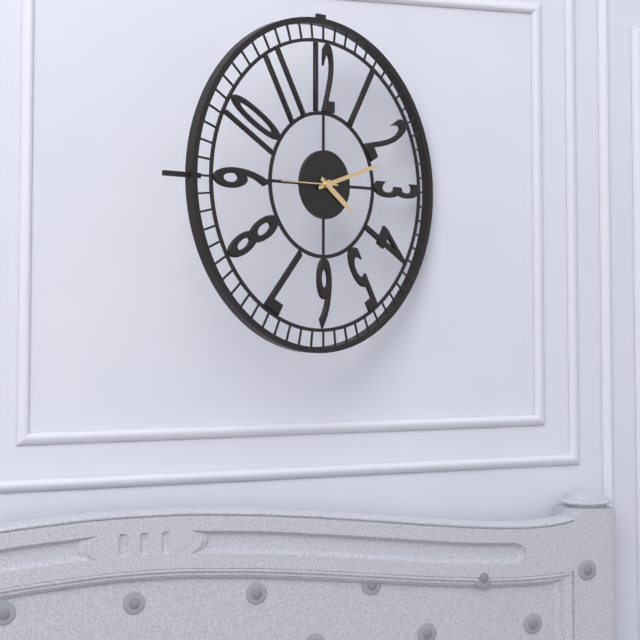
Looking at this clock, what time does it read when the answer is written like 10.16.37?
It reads 4.12.45
